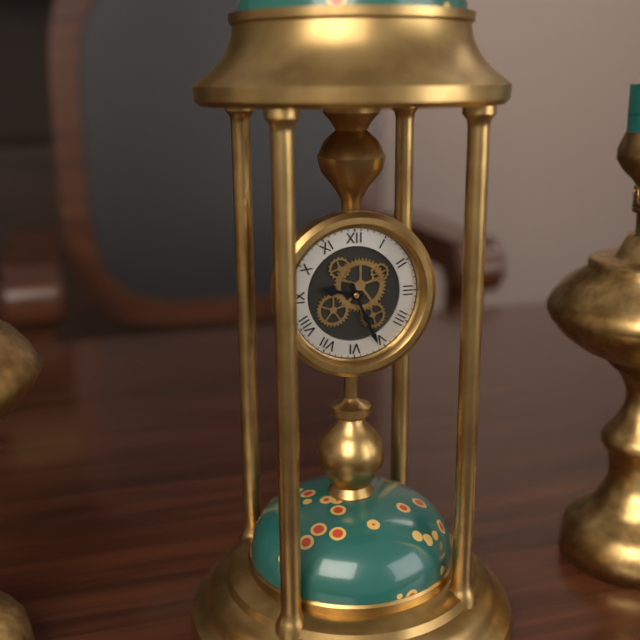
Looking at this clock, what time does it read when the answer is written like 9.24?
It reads 9.26
